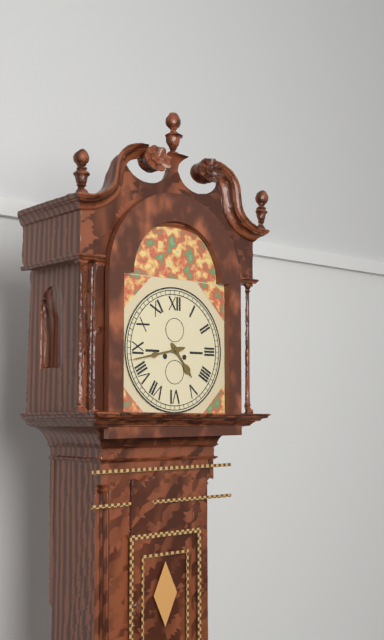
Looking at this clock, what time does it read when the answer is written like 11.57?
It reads 4.43
